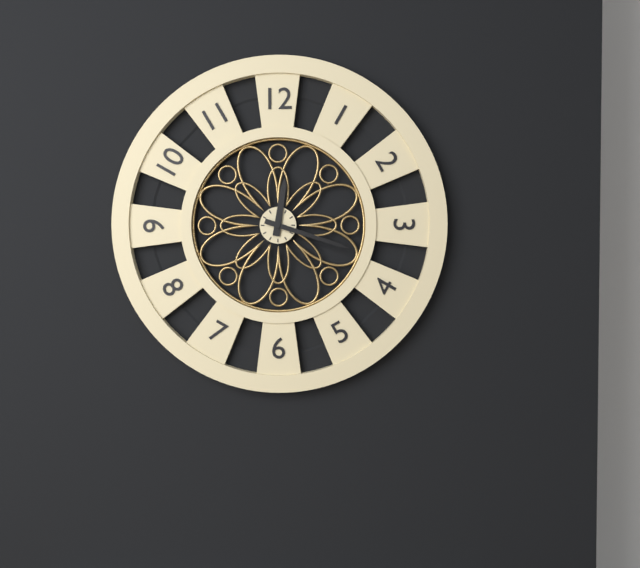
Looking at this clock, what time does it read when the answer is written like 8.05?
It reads 12.18
